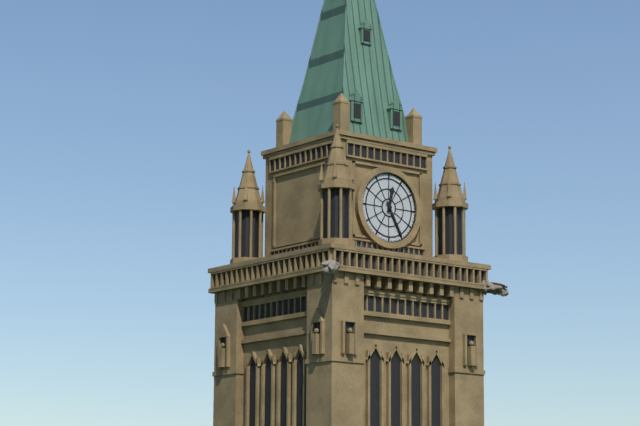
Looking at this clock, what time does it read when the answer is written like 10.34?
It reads 12.25
